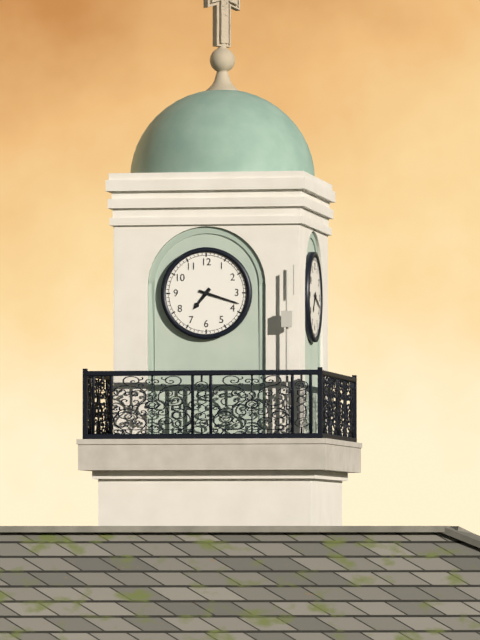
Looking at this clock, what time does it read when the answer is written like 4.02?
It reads 7.18
